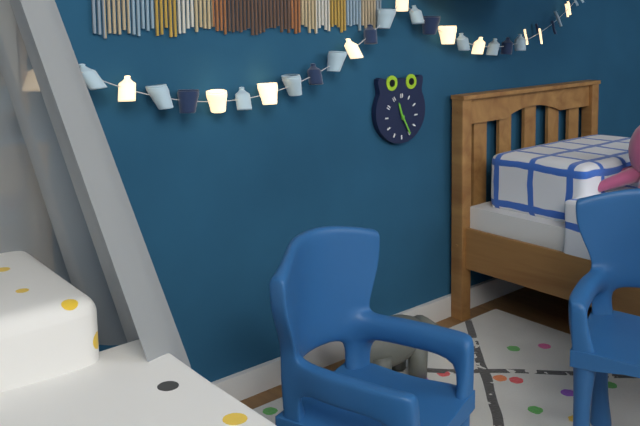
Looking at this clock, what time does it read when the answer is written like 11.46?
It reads 11.25
